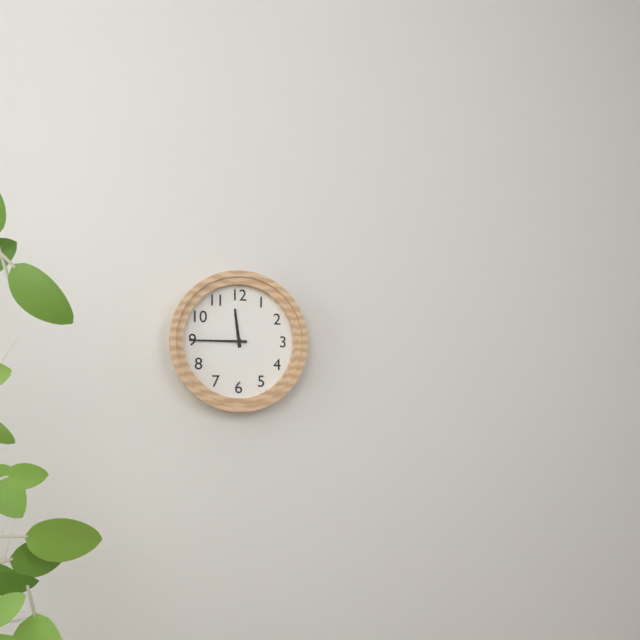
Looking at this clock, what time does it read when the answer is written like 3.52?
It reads 11.45
